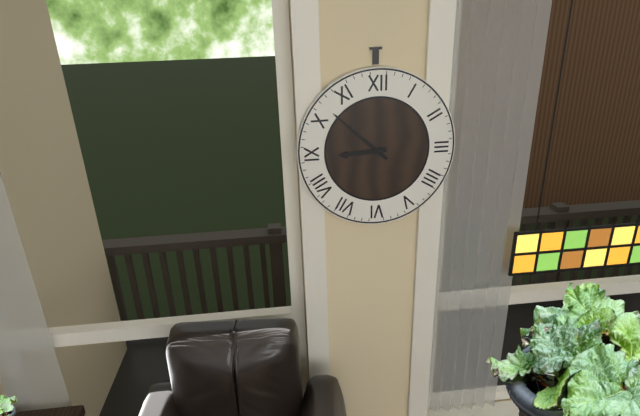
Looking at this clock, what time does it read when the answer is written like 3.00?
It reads 8.52
